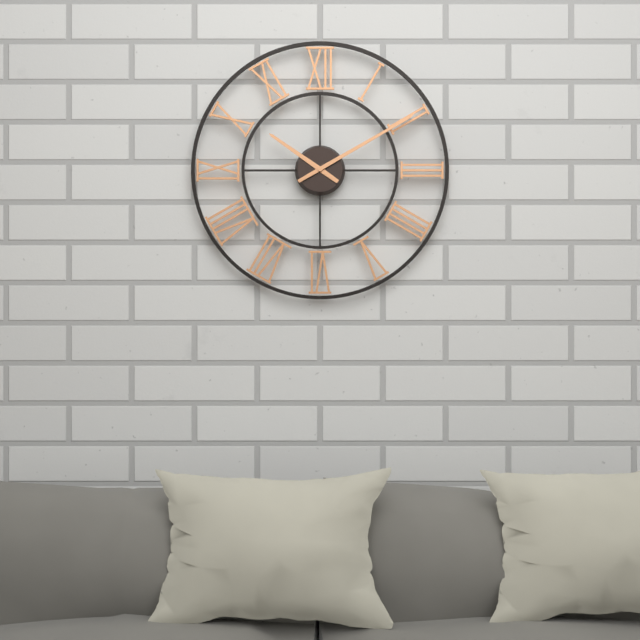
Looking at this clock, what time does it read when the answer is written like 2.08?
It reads 10.10
